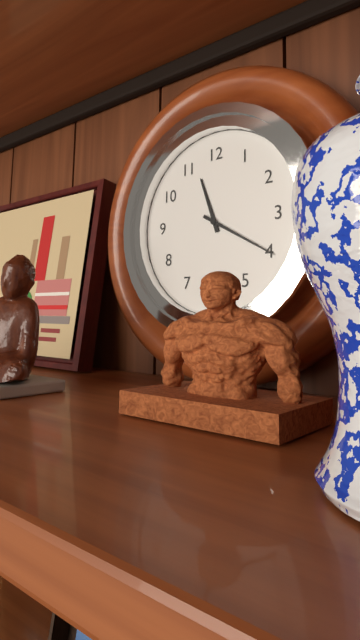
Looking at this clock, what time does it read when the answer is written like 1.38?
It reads 11.20
